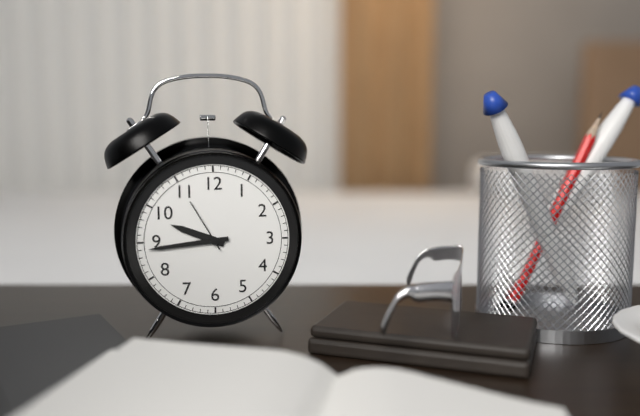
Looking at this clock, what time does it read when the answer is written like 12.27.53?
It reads 9.44.55
